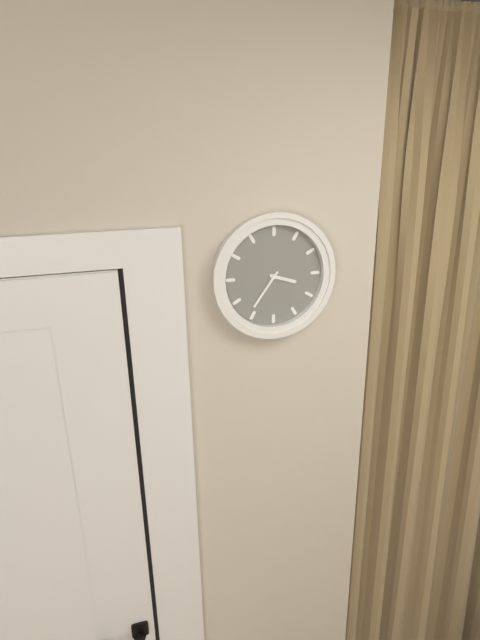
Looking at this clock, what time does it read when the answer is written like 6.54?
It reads 3.36
